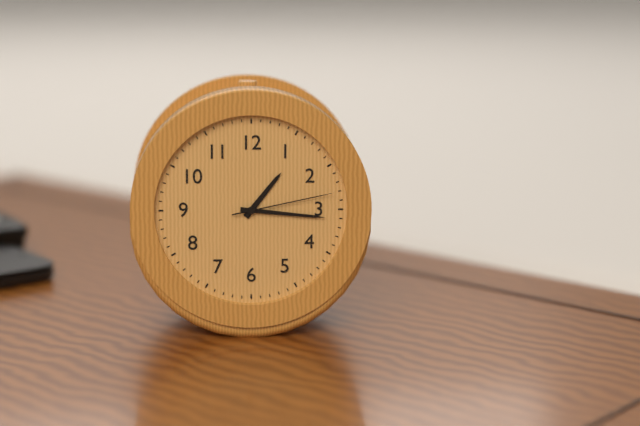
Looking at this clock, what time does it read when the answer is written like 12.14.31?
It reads 1.16.13
